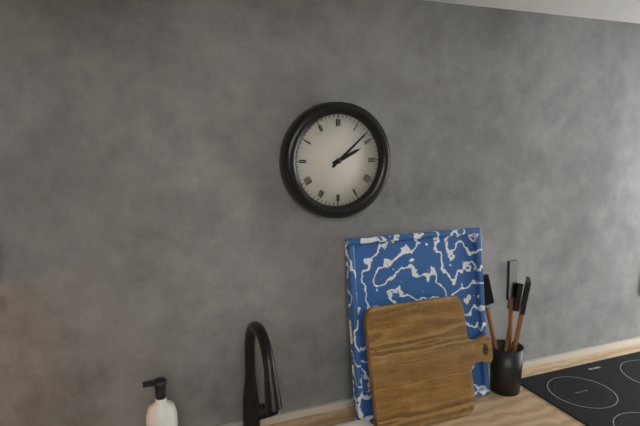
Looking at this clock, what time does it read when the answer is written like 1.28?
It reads 2.08
